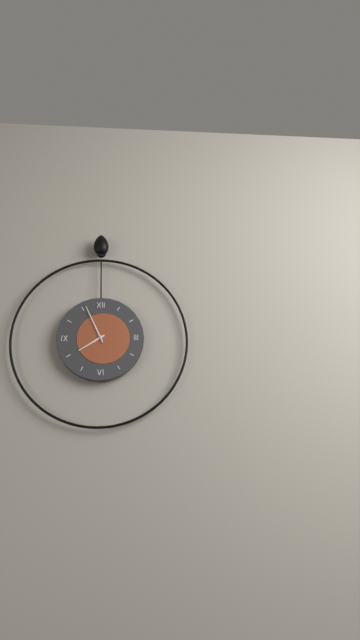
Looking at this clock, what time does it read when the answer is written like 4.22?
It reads 7.56
